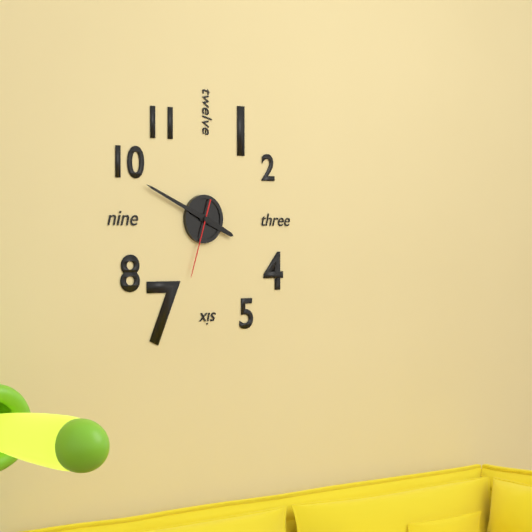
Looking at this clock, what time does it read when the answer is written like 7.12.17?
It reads 3.49.33
